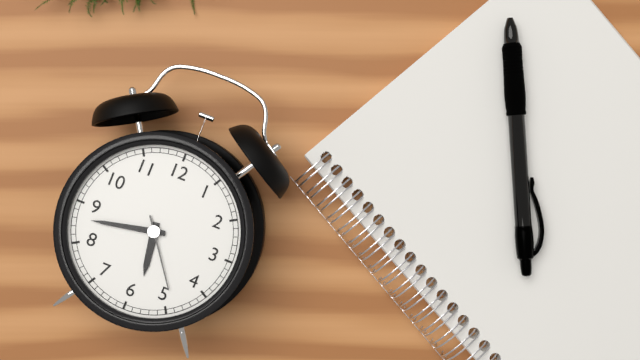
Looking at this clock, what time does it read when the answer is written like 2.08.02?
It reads 5.43.24
